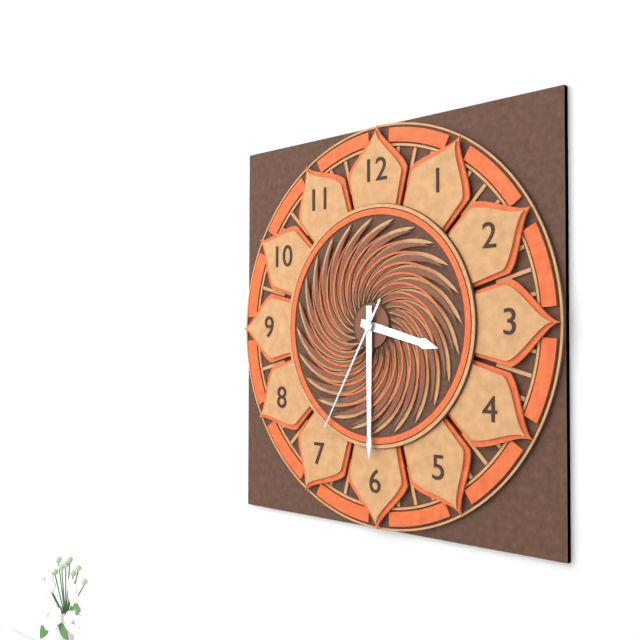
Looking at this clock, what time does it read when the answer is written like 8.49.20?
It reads 3.30.35
